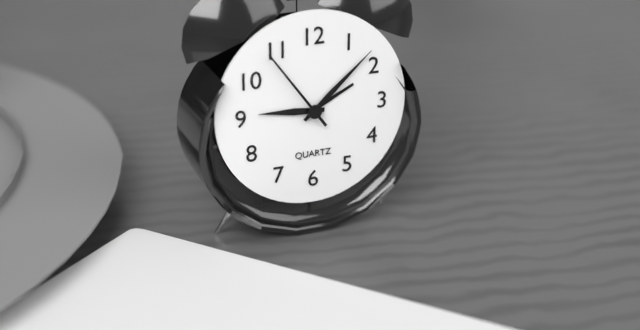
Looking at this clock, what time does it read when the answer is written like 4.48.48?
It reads 9.08.54
